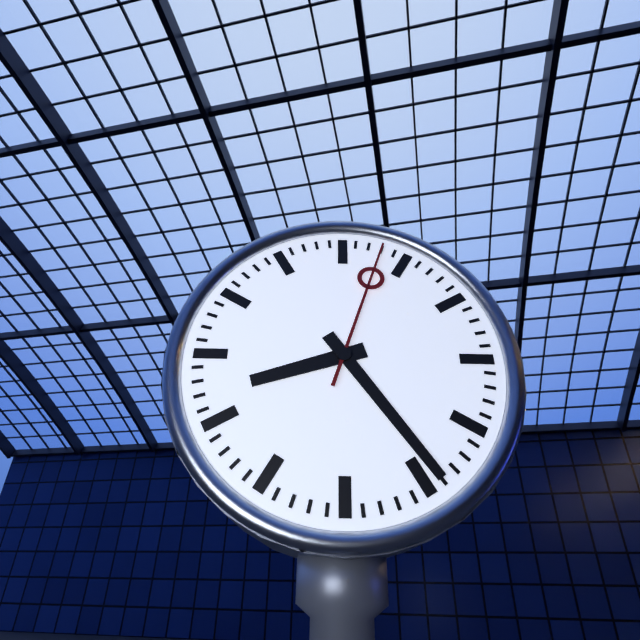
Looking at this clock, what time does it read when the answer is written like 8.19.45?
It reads 8.24.03
